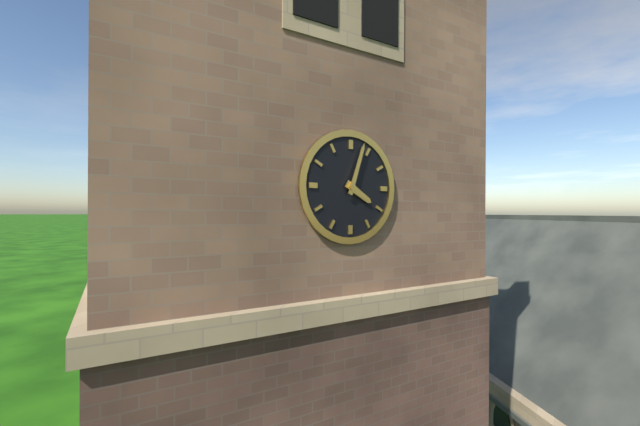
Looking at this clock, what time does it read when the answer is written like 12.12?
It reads 4.03
